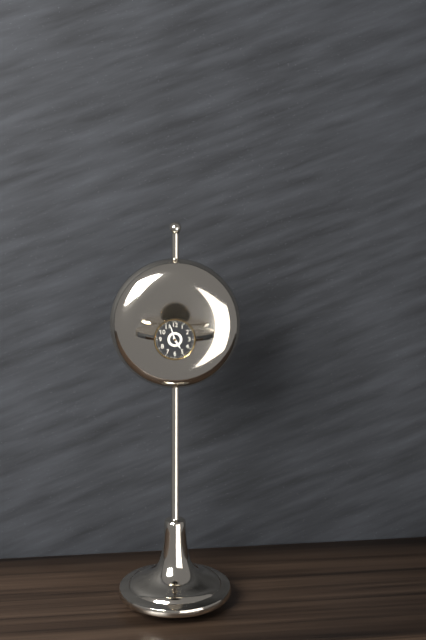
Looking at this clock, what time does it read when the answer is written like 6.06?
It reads 4.57
